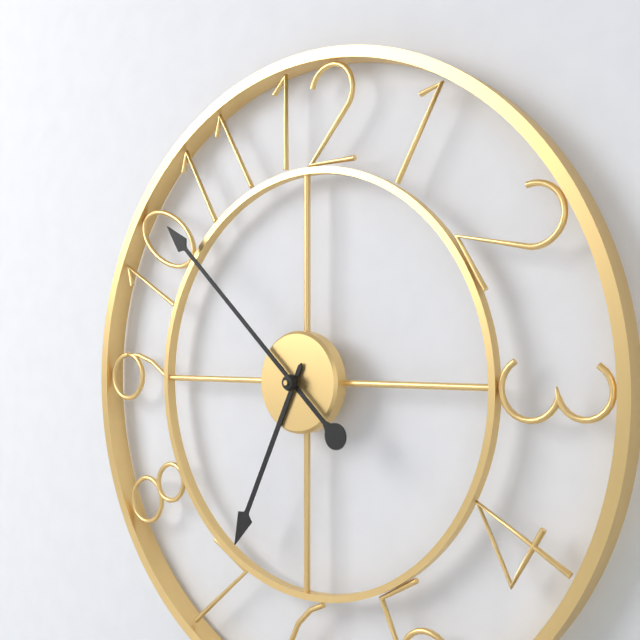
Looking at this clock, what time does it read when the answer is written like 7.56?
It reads 6.52
